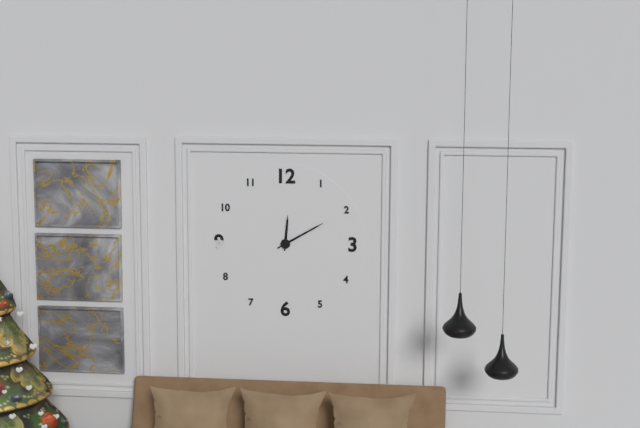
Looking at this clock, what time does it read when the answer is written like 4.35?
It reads 12.10
